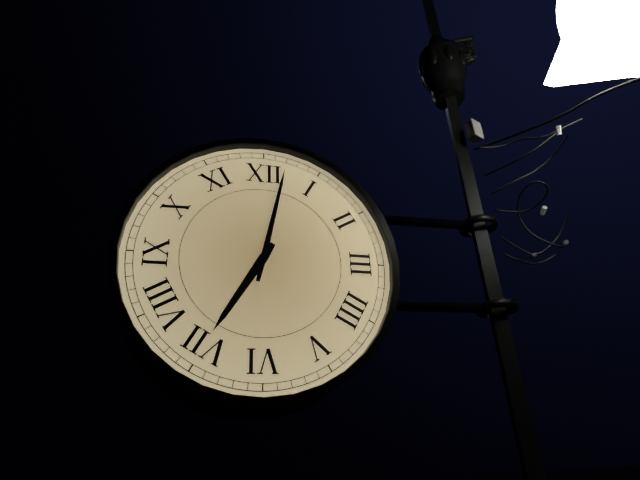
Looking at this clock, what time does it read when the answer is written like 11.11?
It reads 7.02
